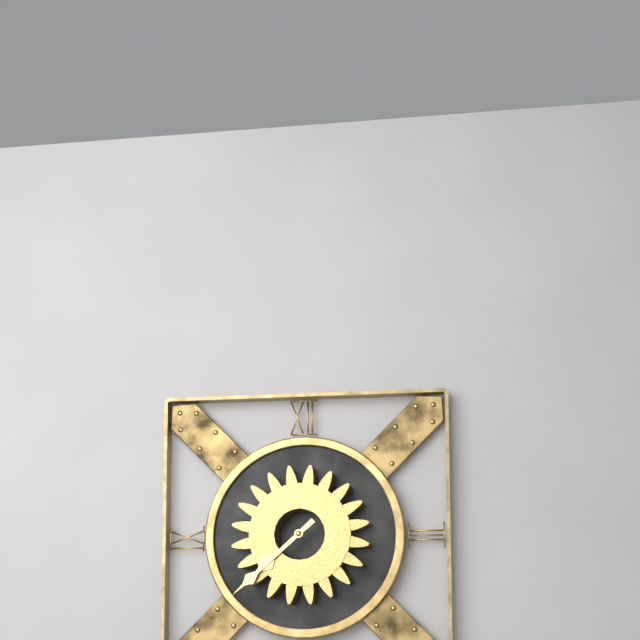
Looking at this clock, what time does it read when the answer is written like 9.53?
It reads 7.38
